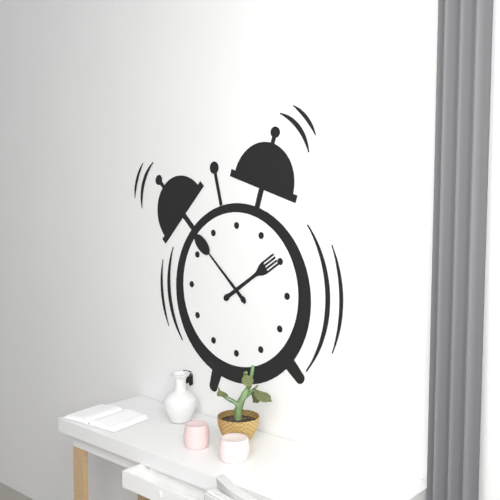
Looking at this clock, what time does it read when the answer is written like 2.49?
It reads 1.52
